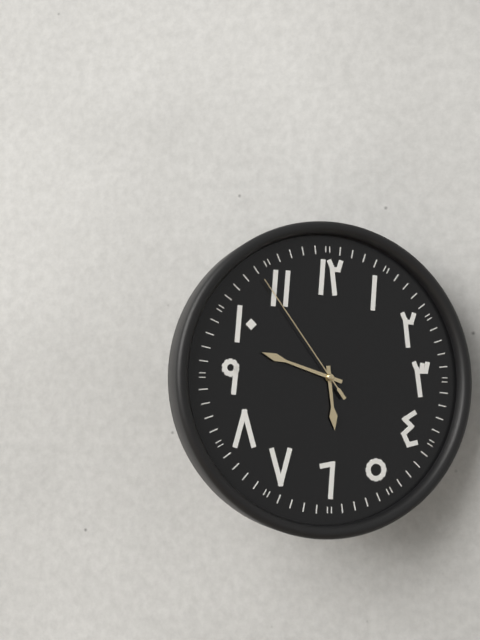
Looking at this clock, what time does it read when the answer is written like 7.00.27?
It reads 5.48.54
